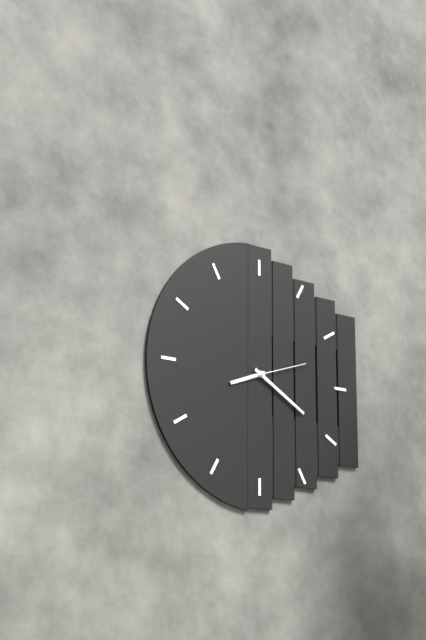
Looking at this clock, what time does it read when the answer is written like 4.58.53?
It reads 8.20.12
